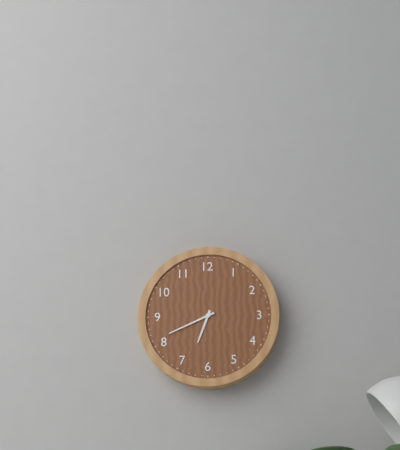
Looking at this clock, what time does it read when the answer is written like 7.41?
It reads 6.41
